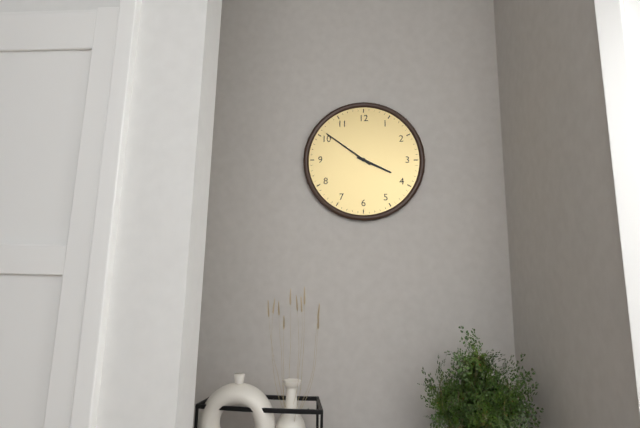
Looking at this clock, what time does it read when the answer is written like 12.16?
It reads 3.51
